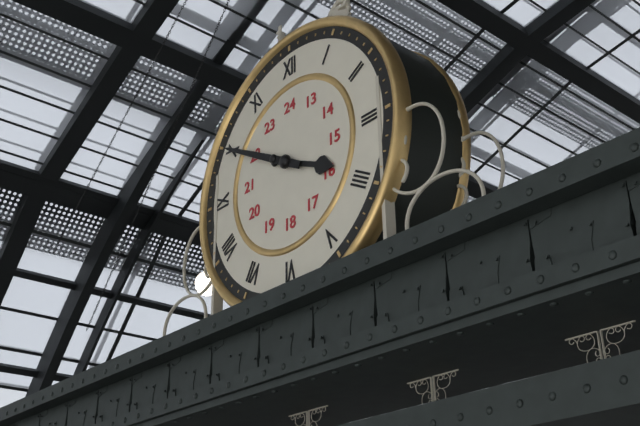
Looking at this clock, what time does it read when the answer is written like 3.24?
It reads 3.50
